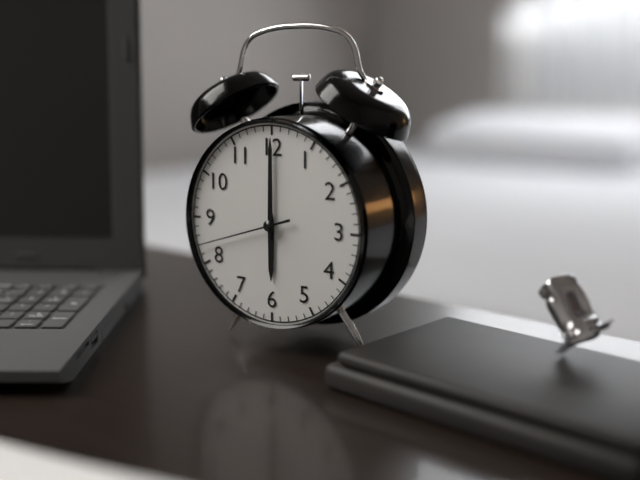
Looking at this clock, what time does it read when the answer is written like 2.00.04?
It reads 6.00.42
